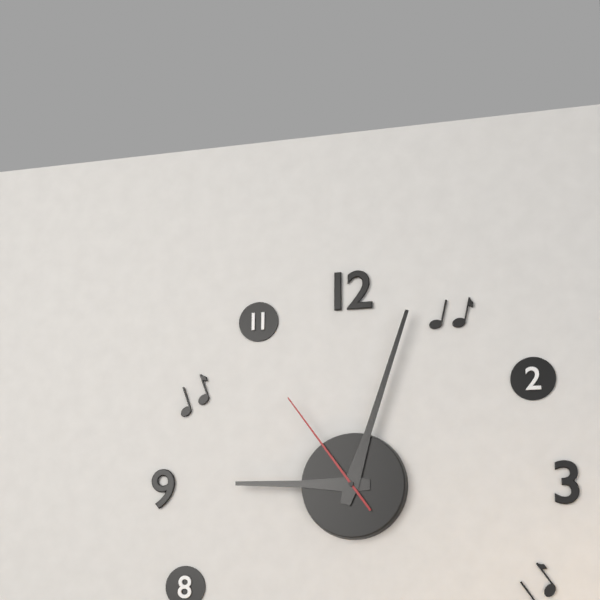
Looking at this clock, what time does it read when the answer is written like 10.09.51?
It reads 9.03.54
